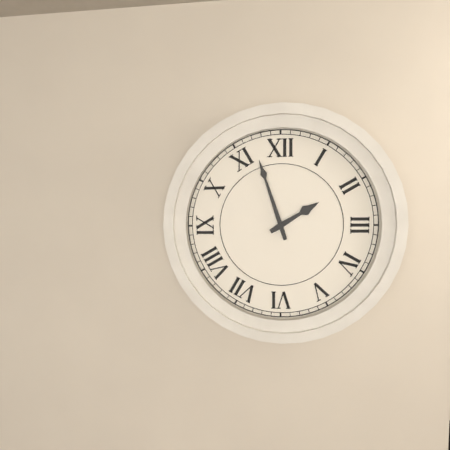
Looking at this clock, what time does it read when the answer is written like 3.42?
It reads 1.57
